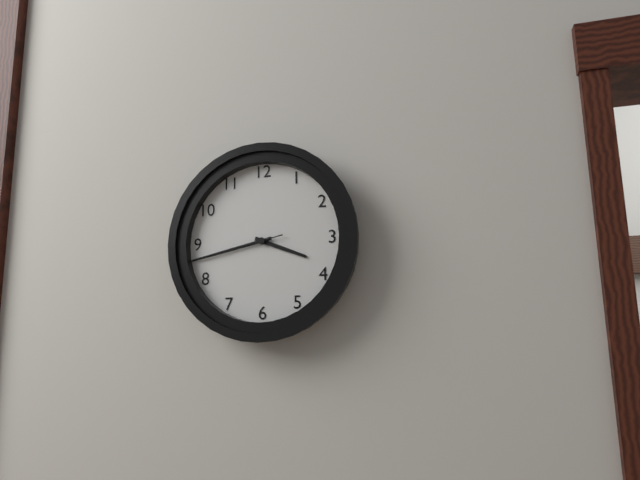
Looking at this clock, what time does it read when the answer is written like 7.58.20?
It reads 3.43.43
